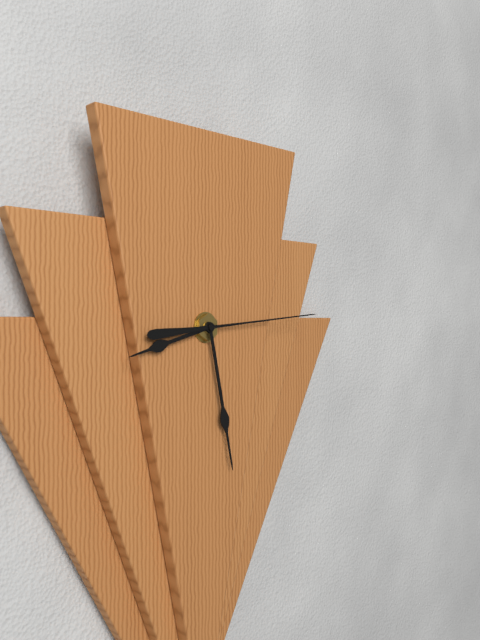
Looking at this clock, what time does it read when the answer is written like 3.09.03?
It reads 8.28.14
